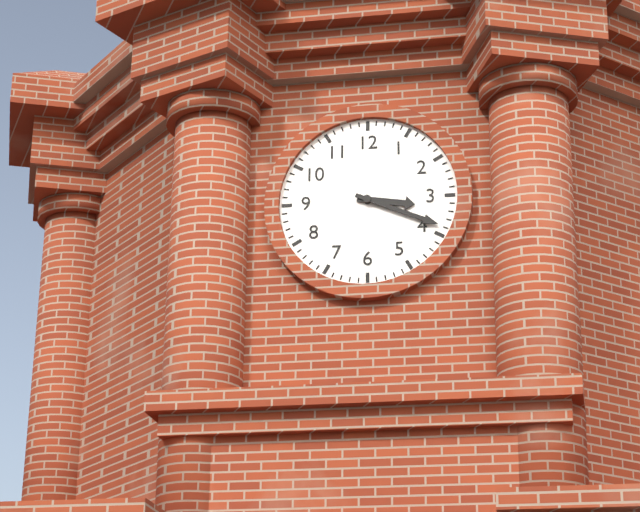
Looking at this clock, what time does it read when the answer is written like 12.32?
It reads 3.19
